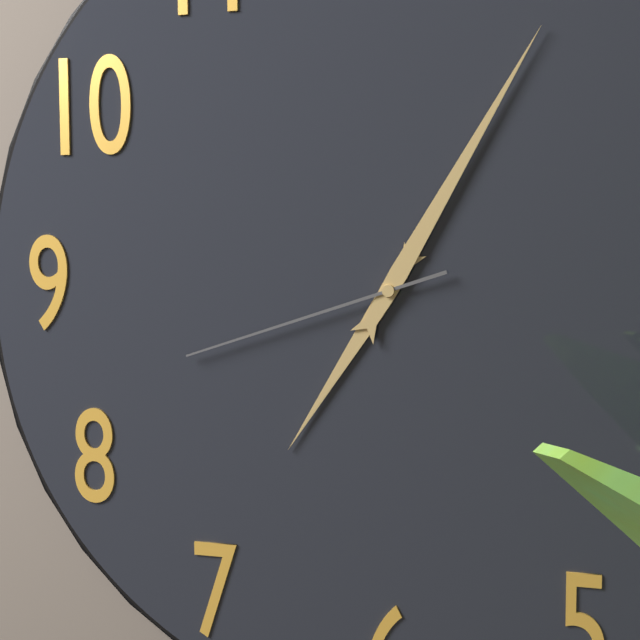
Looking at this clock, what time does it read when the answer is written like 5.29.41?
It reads 7.05.42
